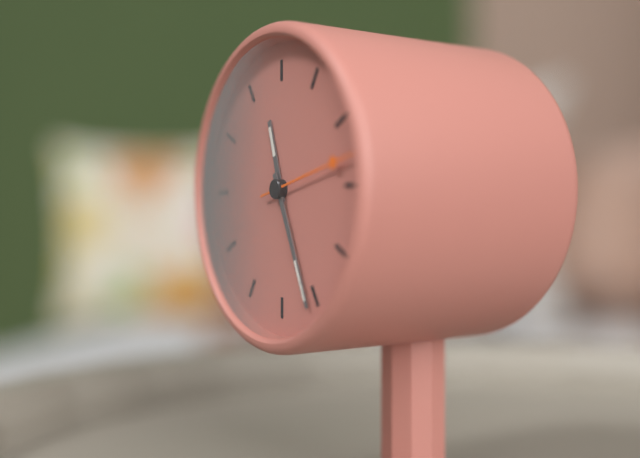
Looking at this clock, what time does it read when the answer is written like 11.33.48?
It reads 11.26.13
